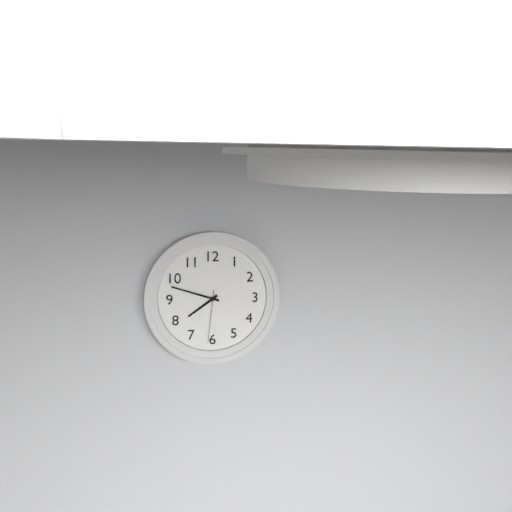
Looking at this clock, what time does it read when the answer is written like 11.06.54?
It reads 7.48.31
